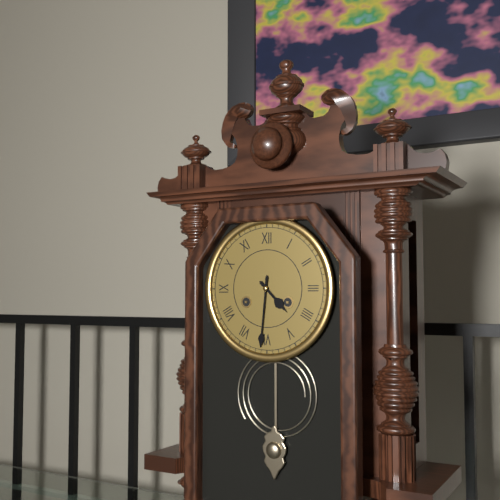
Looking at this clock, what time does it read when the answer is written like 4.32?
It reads 4.31
